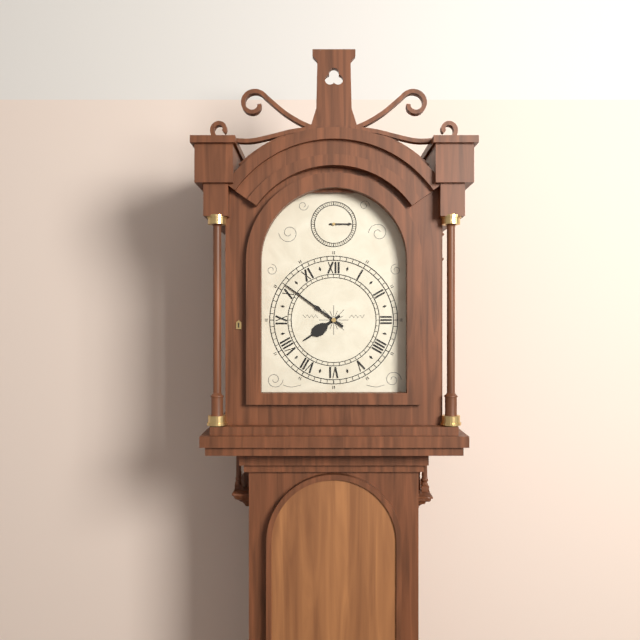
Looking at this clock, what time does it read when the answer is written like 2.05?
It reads 7.51
